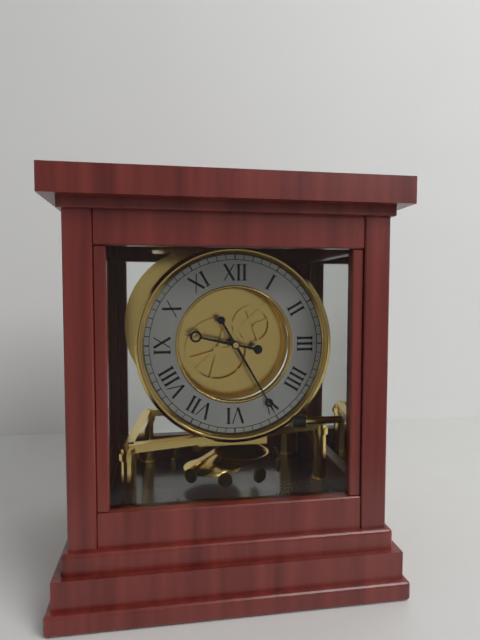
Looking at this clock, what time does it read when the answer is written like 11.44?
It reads 9.25
